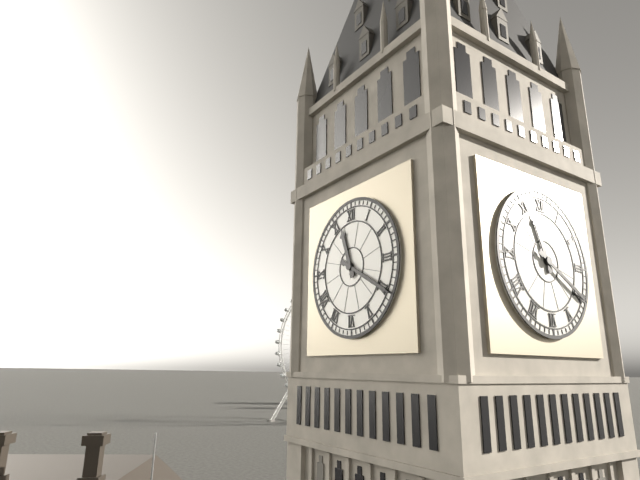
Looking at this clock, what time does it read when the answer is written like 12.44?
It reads 11.20
